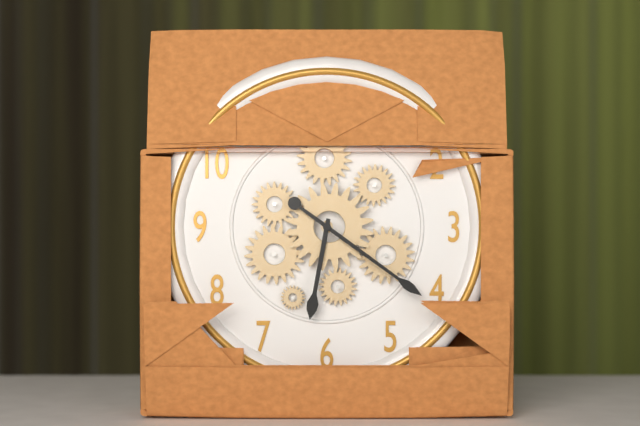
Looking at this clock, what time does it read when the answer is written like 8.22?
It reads 6.21
